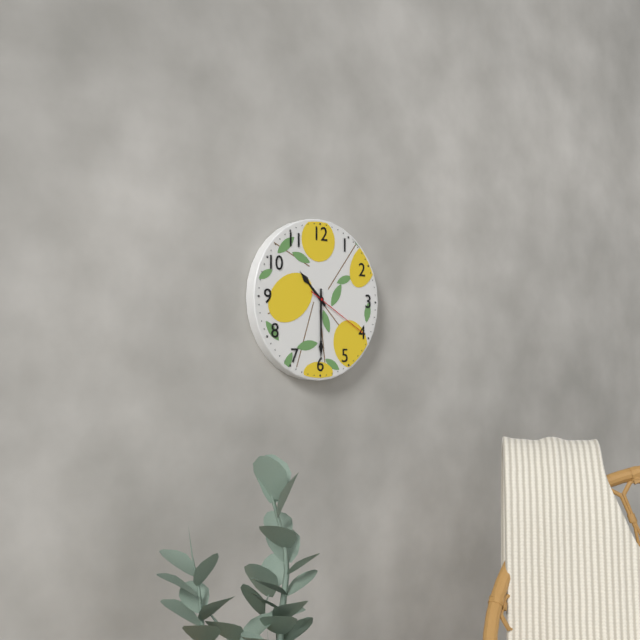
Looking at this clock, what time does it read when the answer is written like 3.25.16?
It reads 10.30.20
